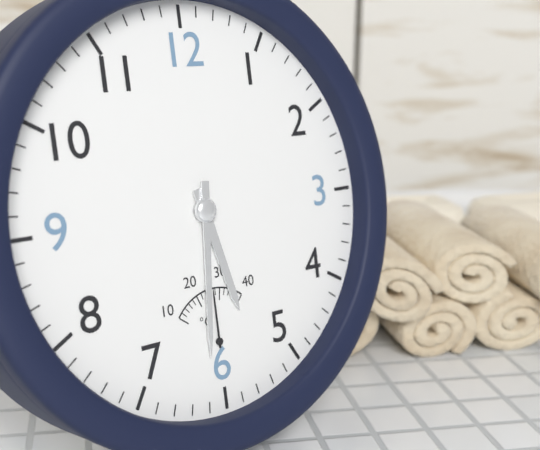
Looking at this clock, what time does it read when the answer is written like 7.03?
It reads 5.31
